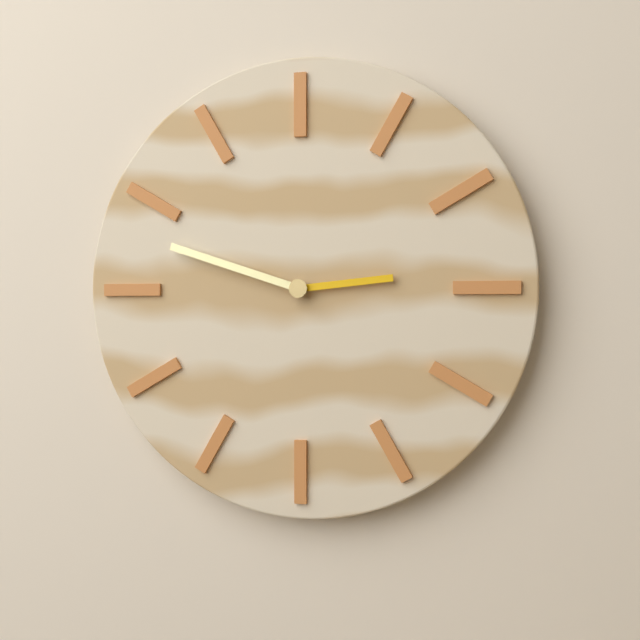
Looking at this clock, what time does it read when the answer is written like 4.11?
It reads 2.48
